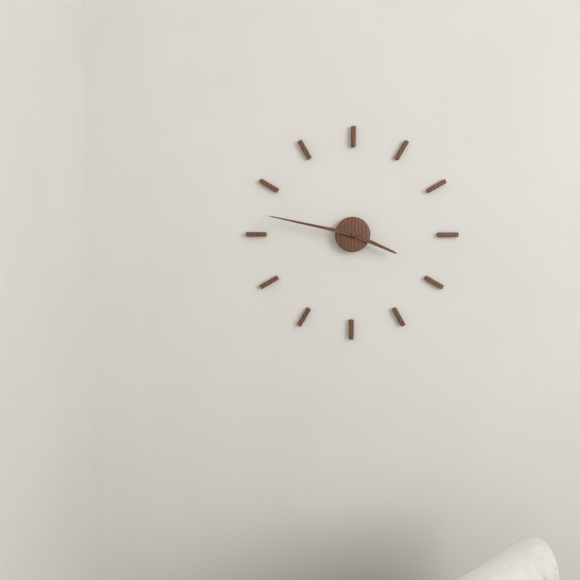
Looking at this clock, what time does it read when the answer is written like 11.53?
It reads 3.47
